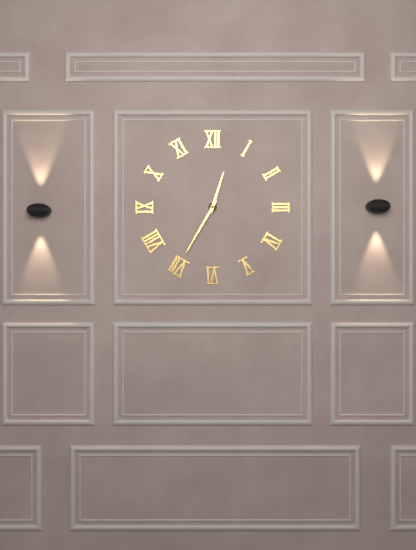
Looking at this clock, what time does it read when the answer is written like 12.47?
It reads 12.35
